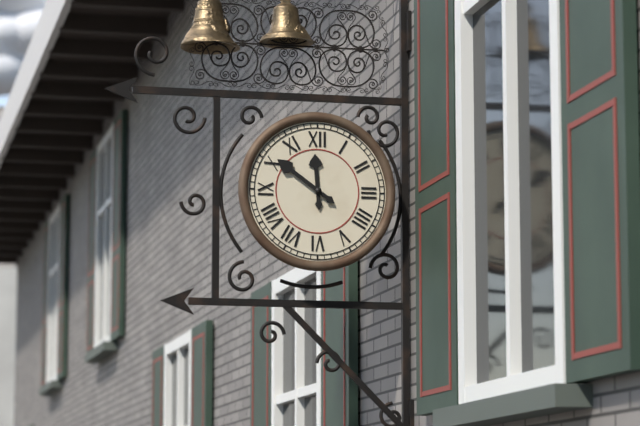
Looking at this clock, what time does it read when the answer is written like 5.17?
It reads 11.51
